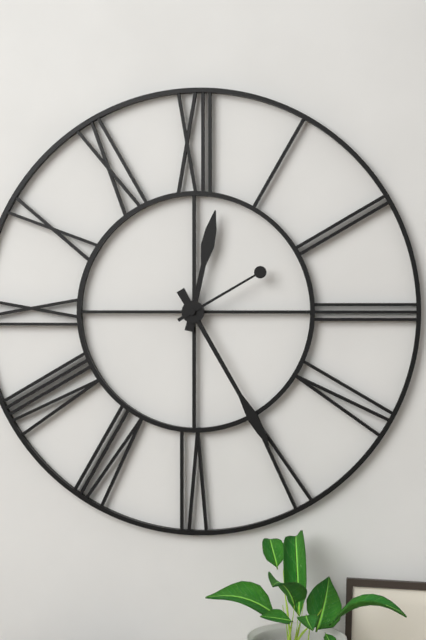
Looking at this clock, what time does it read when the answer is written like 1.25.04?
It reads 12.25.10
